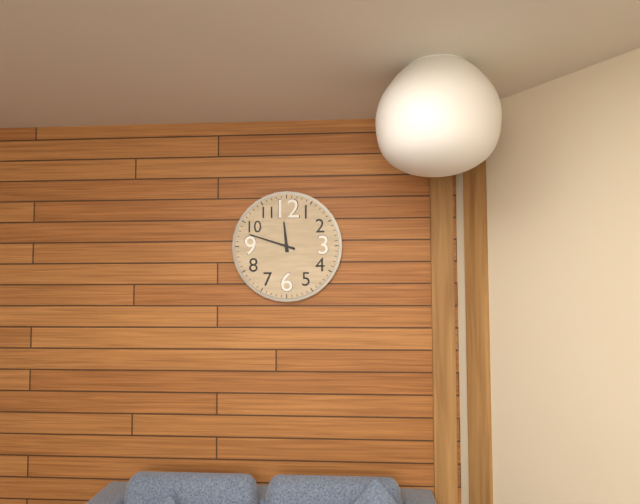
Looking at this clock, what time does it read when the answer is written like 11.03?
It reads 11.48
